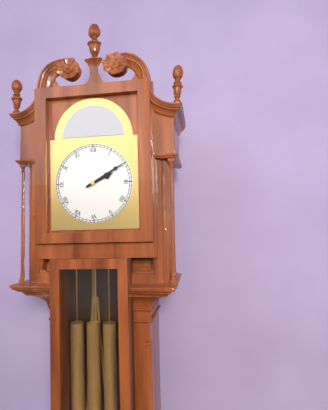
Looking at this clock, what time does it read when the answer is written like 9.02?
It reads 2.10
